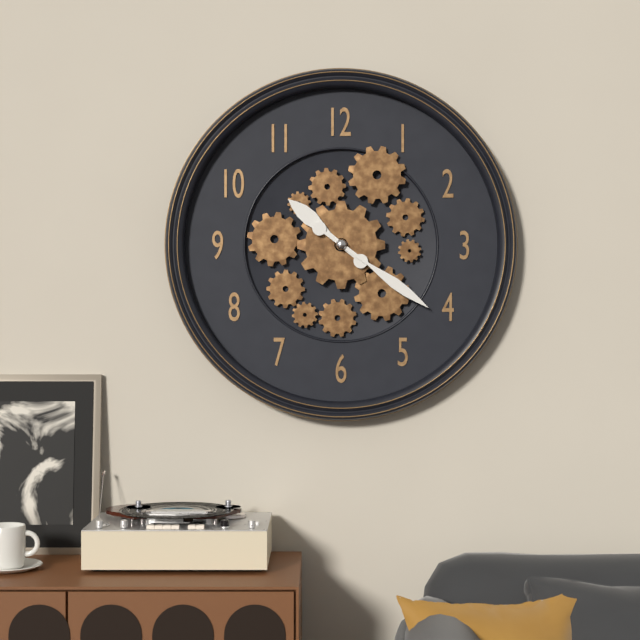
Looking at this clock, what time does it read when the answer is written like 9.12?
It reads 10.21
